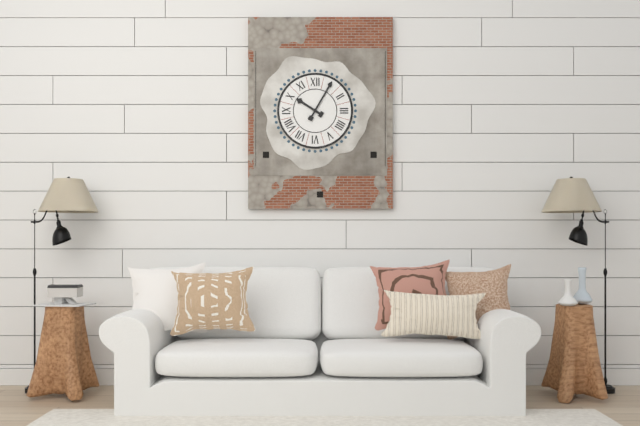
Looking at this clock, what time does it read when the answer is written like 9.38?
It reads 10.05
